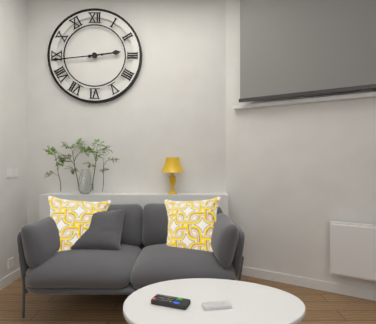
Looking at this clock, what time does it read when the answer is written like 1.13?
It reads 2.44
